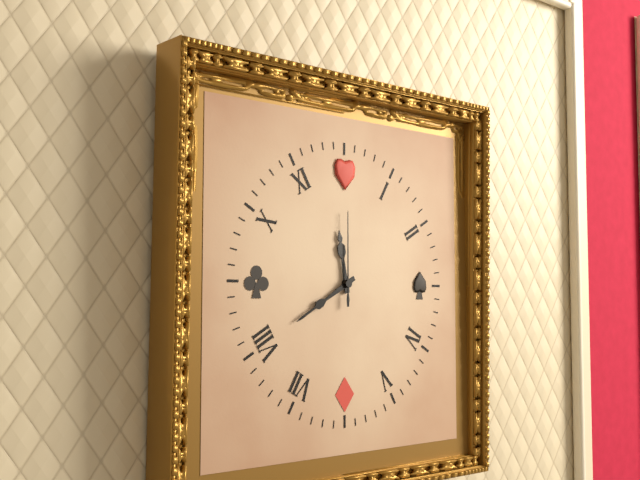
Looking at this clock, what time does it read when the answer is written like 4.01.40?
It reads 11.40.00
